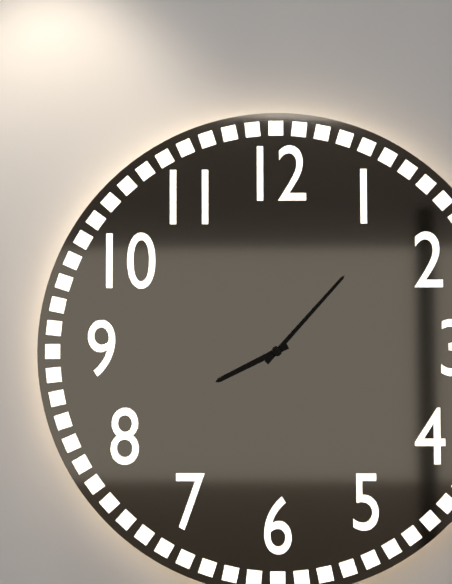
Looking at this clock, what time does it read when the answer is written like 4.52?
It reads 8.07
